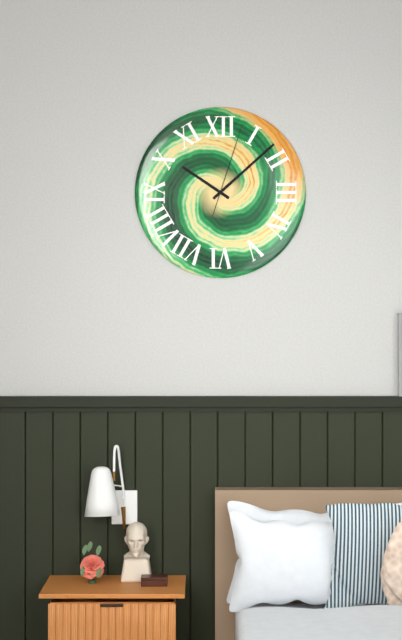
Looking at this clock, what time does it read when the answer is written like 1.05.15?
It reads 10.08.03
